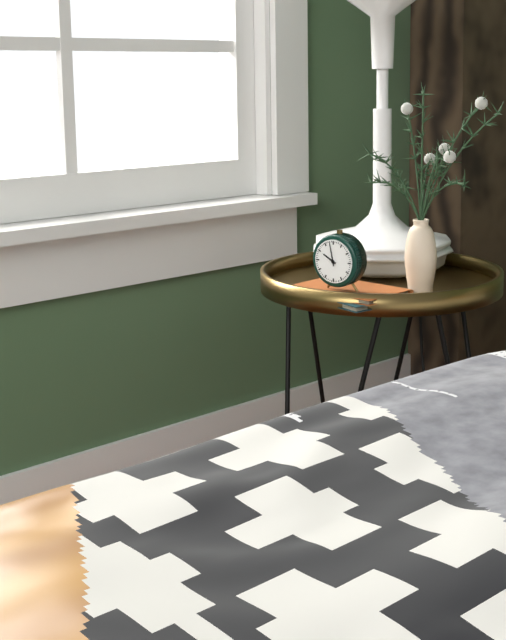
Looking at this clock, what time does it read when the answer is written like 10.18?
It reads 9.58
